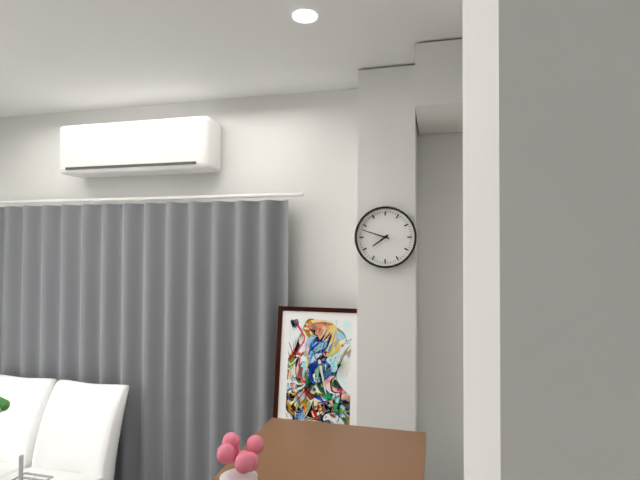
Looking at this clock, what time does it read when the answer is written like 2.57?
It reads 7.48
